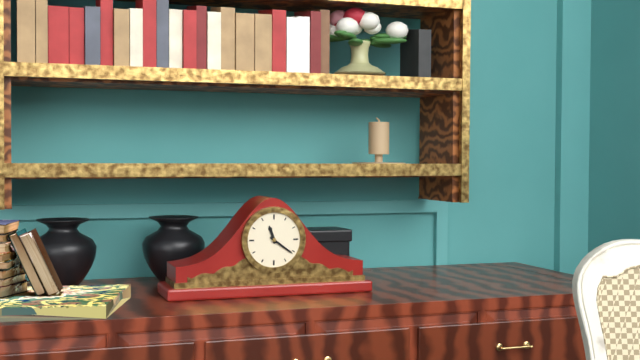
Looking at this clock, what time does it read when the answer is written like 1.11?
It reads 11.21
